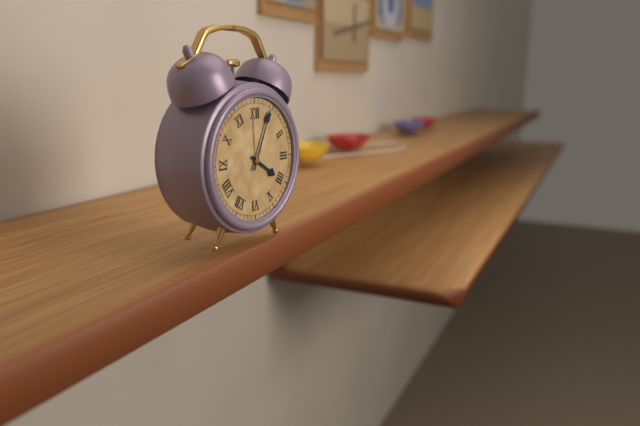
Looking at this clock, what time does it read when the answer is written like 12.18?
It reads 4.04
